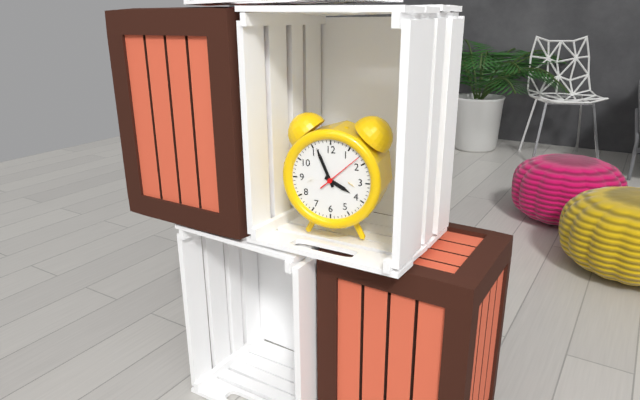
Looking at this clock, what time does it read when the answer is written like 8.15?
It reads 3.56
